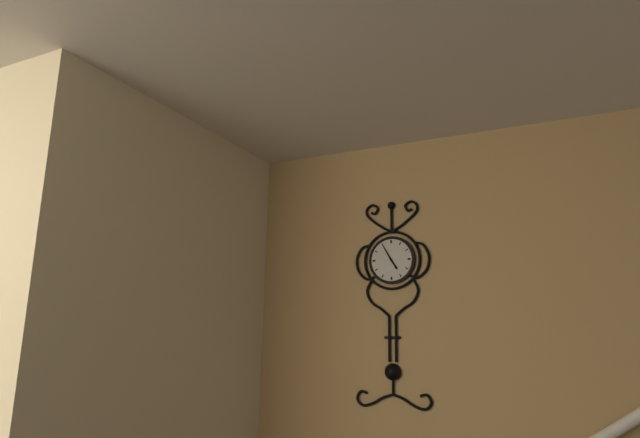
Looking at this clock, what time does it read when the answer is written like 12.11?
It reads 4.55
